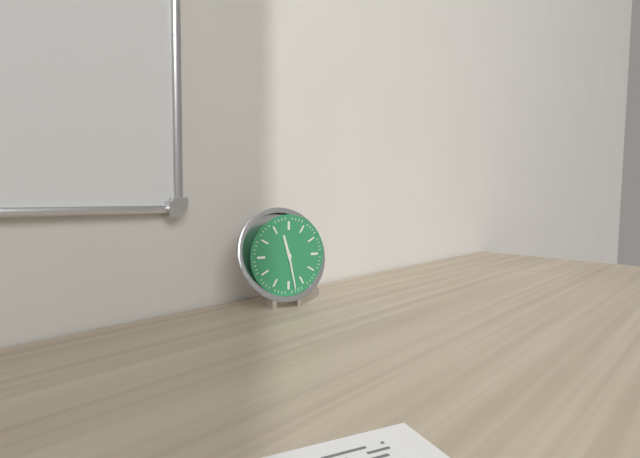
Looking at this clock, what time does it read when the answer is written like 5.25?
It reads 11.28
